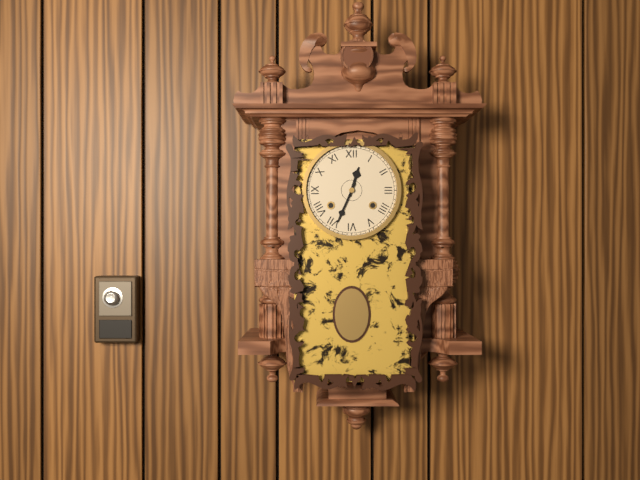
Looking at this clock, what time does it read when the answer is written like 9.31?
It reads 12.34
